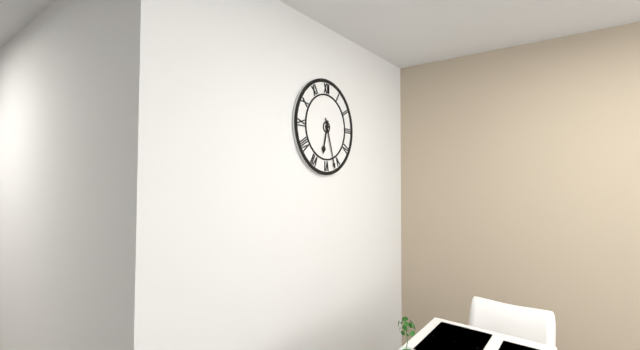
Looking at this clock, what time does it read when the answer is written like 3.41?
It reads 6.27
